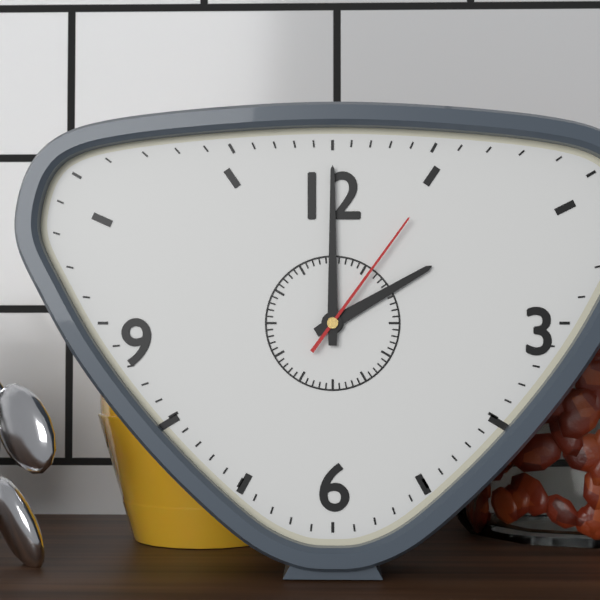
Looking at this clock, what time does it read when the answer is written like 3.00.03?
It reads 2.00.06
